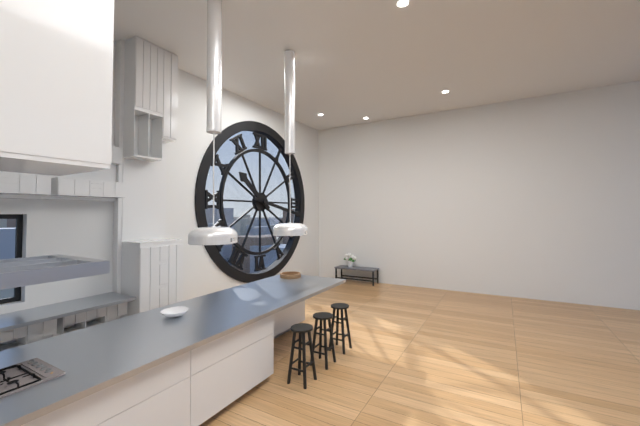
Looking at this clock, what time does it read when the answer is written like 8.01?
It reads 10.17
